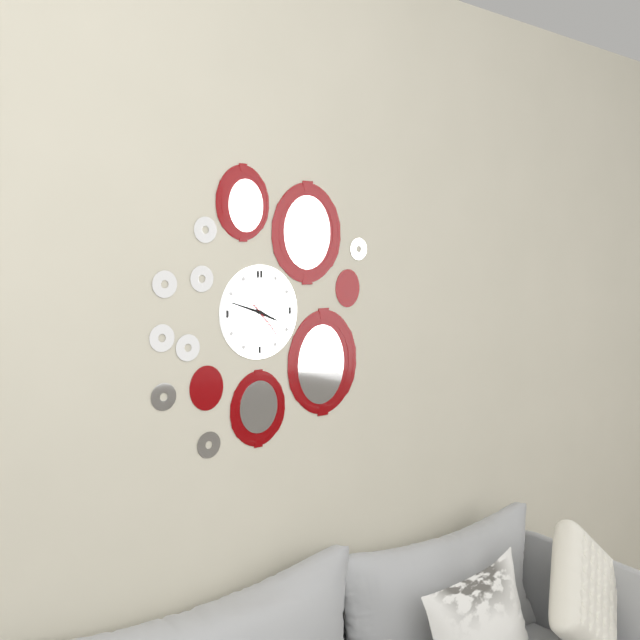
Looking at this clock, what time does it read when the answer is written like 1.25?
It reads 3.48
